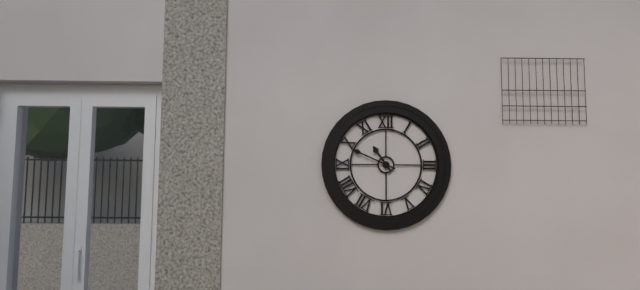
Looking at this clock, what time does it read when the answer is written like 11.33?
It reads 10.49
